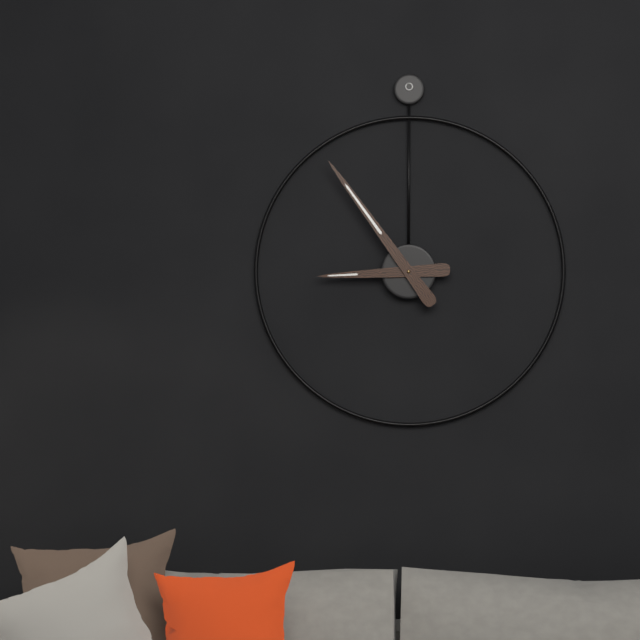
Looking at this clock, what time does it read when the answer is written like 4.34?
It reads 8.54
